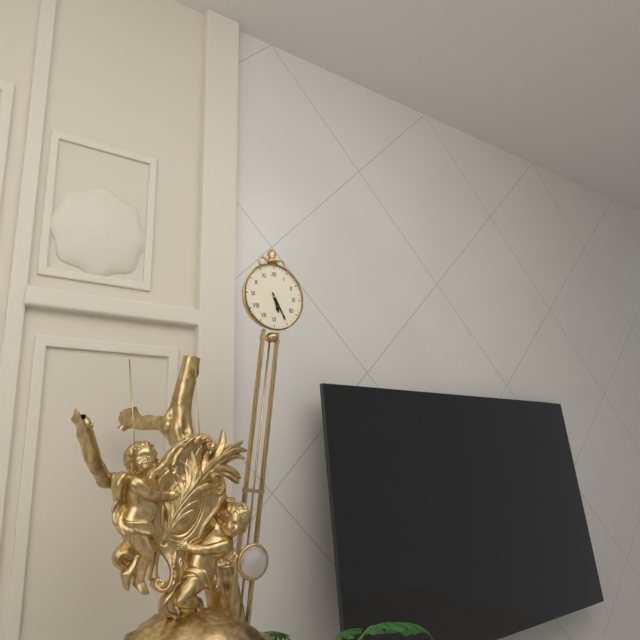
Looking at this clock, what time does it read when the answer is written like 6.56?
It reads 5.25
